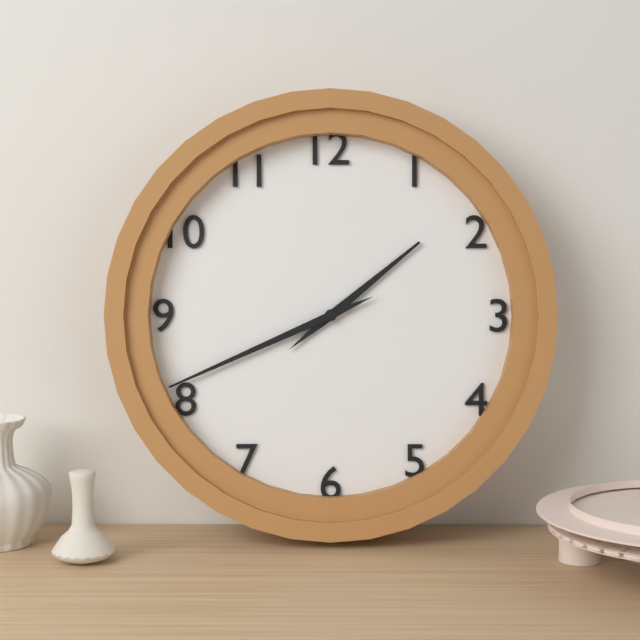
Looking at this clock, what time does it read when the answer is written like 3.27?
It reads 1.41
